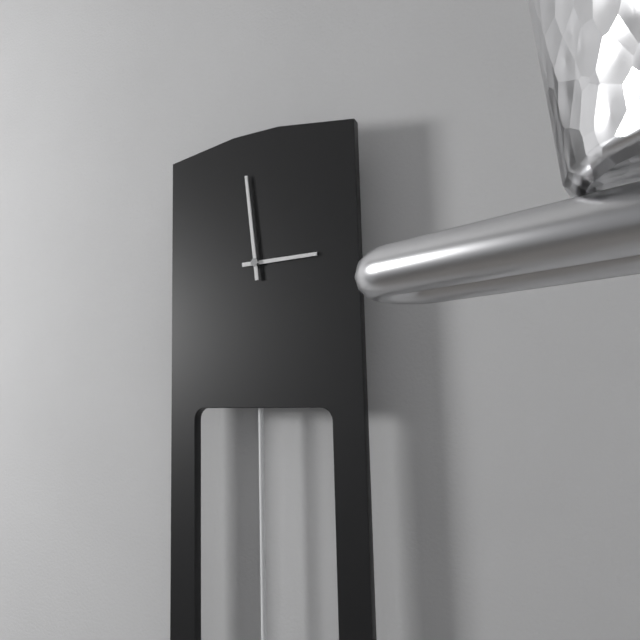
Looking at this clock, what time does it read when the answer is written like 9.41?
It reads 2.59
